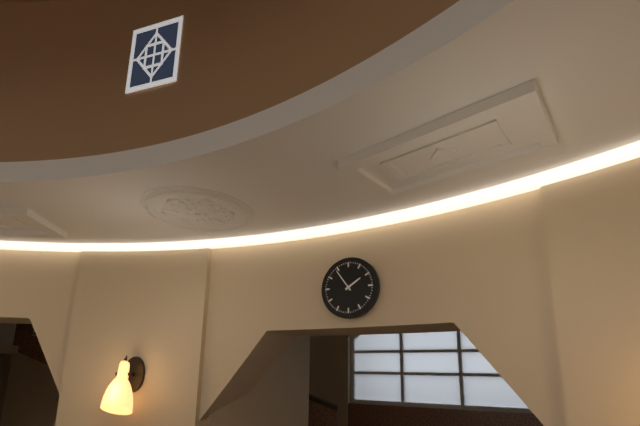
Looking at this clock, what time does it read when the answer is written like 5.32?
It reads 1.54
